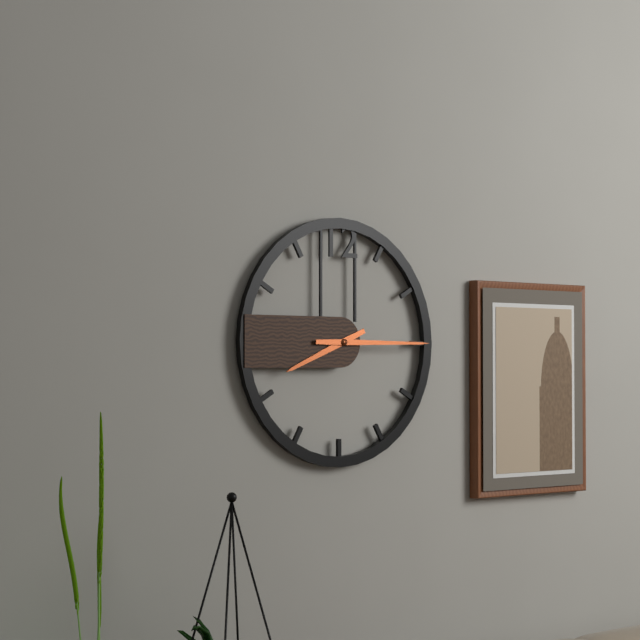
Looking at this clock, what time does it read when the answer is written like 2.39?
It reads 8.15
